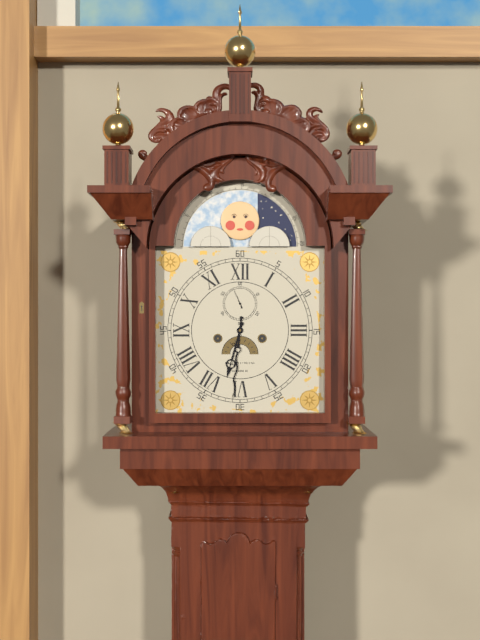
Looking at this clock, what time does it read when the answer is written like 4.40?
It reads 6.31
